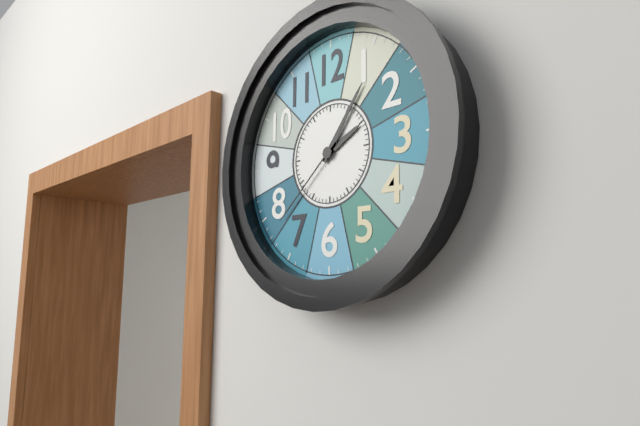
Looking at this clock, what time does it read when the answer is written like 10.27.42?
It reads 2.06.38
